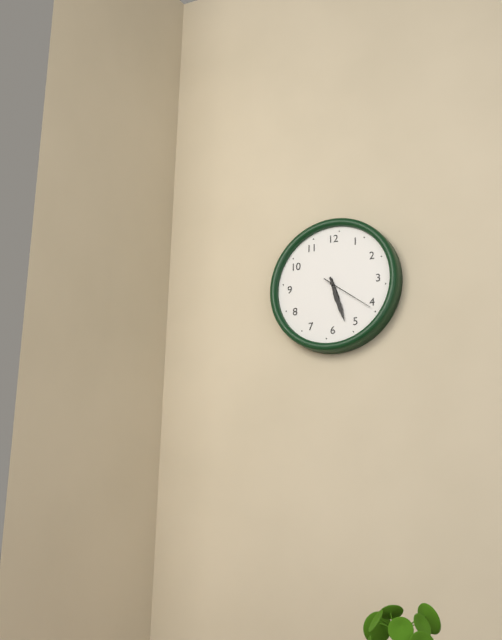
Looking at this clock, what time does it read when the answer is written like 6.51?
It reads 5.27
